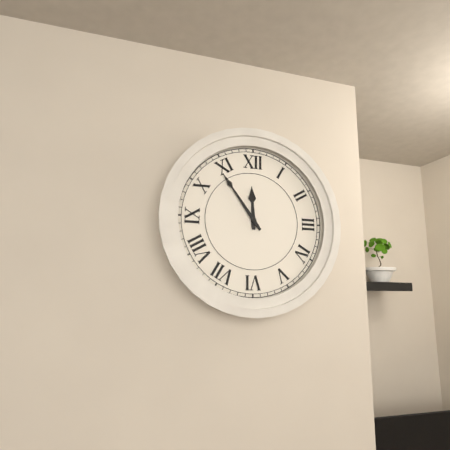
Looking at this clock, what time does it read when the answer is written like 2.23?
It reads 11.54
